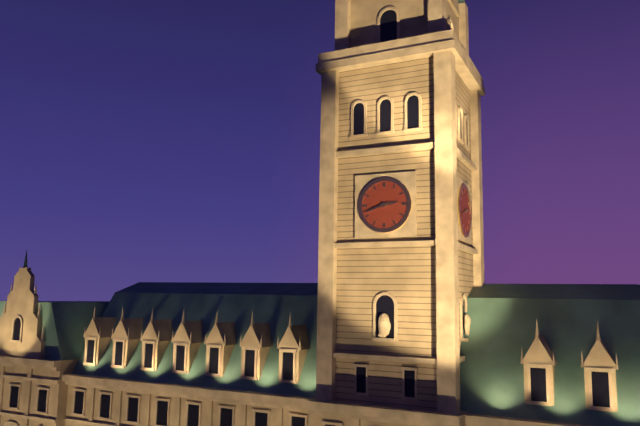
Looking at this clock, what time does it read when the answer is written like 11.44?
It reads 2.42
